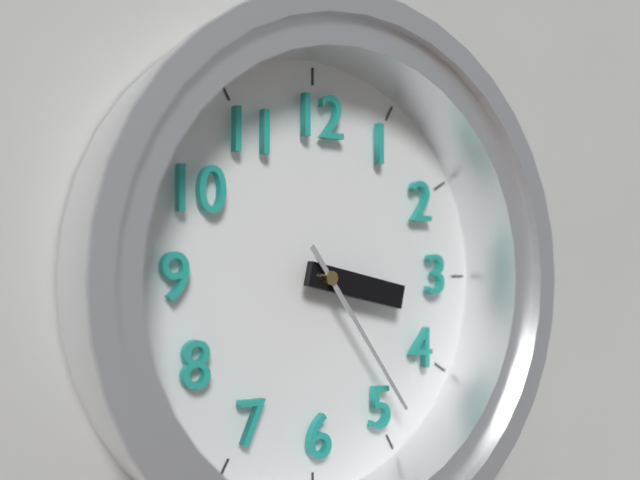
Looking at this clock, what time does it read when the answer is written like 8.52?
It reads 3.24
